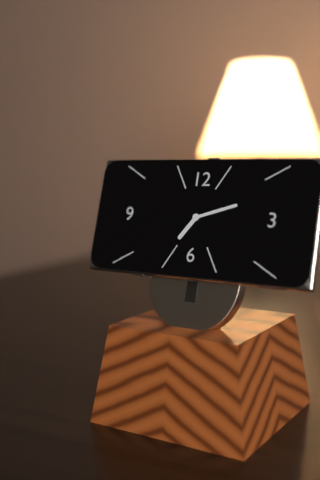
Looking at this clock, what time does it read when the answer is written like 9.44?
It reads 7.12
